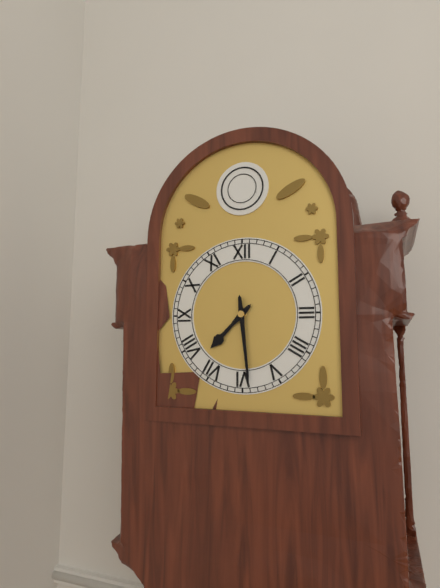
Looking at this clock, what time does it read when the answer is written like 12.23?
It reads 7.29
